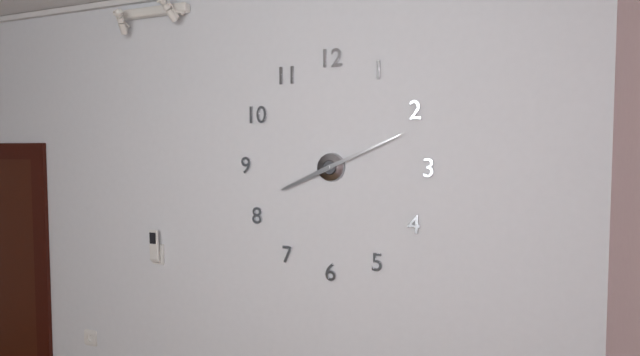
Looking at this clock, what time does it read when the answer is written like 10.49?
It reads 8.11
